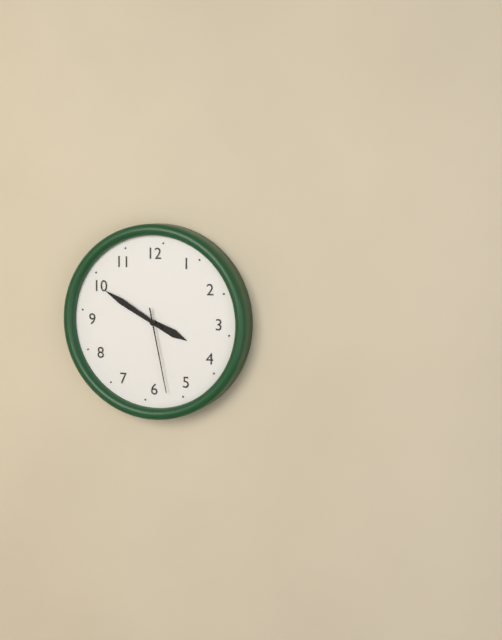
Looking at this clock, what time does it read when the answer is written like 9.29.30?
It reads 3.50.28
